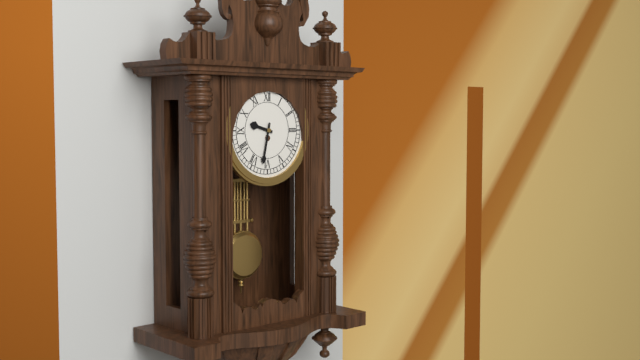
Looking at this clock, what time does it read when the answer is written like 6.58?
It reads 9.32
